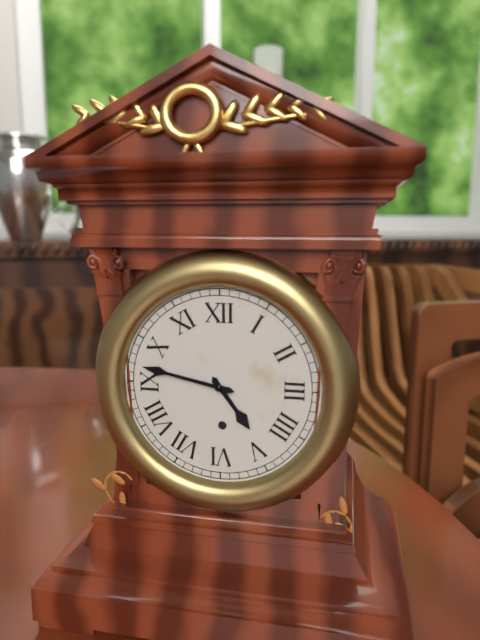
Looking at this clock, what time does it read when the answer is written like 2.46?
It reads 4.47
